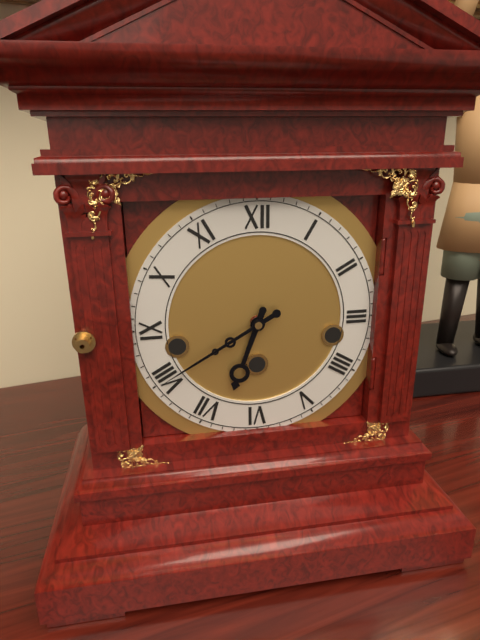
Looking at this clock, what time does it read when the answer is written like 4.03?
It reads 6.40
